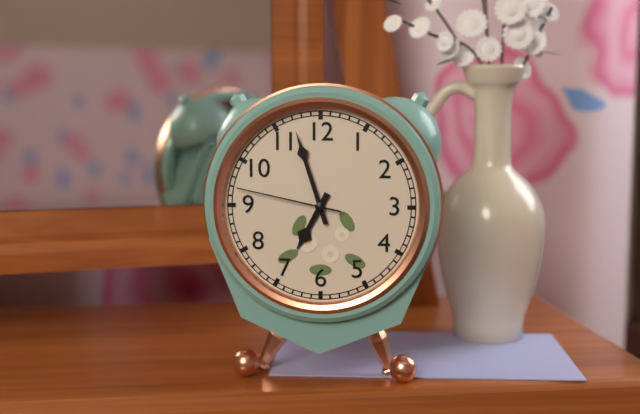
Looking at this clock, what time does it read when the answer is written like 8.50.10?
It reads 6.57.47
